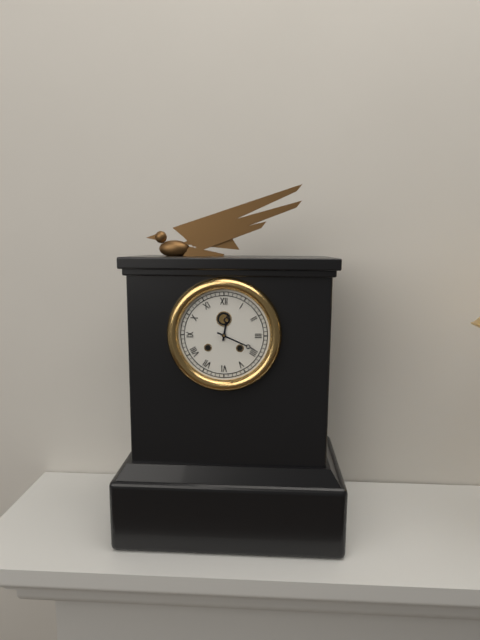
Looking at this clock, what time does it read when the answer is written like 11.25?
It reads 12.19
